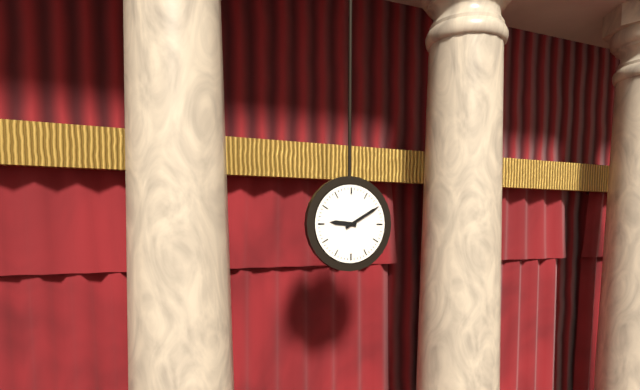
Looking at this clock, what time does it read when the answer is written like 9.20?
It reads 9.10
